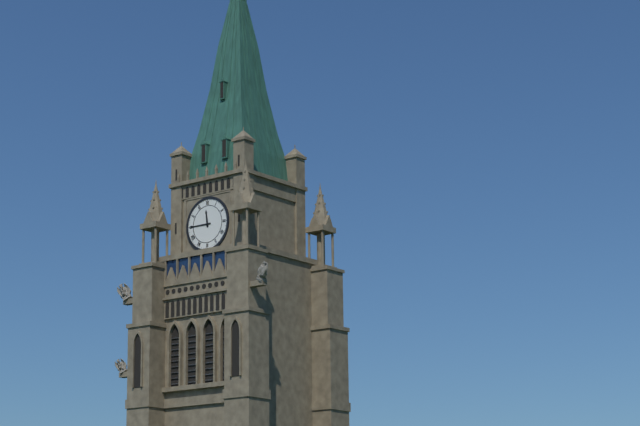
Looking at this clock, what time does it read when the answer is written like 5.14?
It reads 11.45
